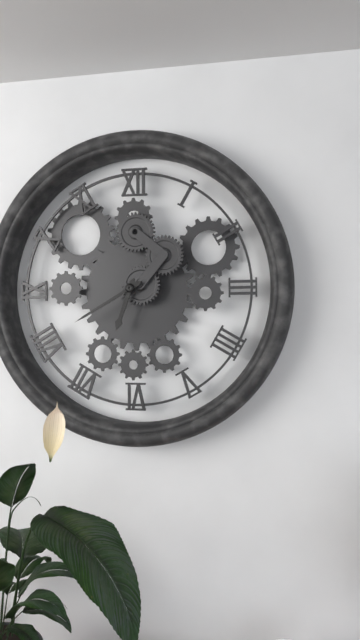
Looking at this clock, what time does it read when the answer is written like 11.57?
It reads 6.40
